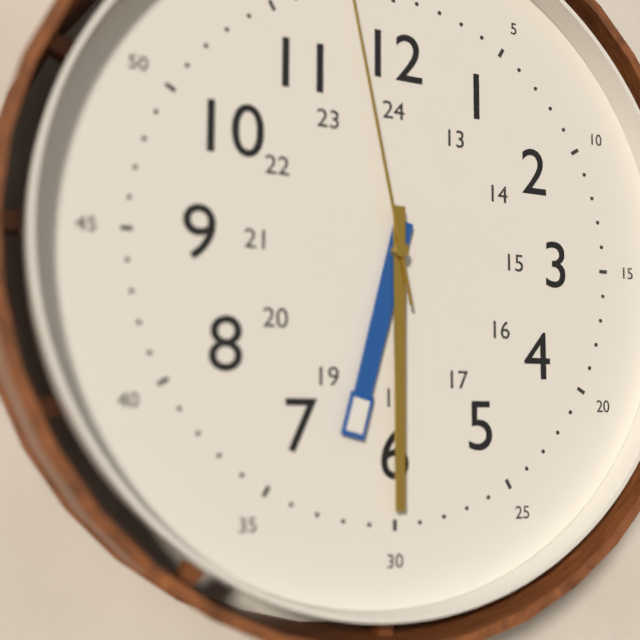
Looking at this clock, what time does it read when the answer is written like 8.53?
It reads 6.30
